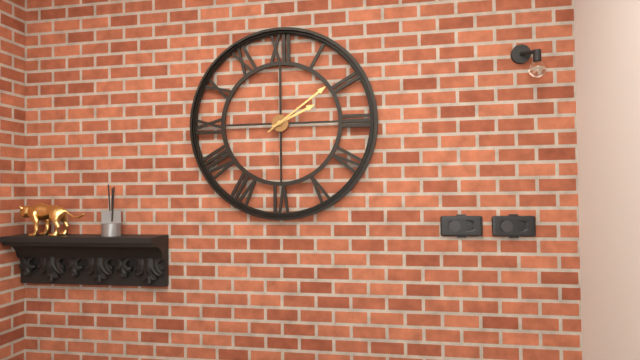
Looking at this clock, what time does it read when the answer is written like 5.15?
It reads 2.09
